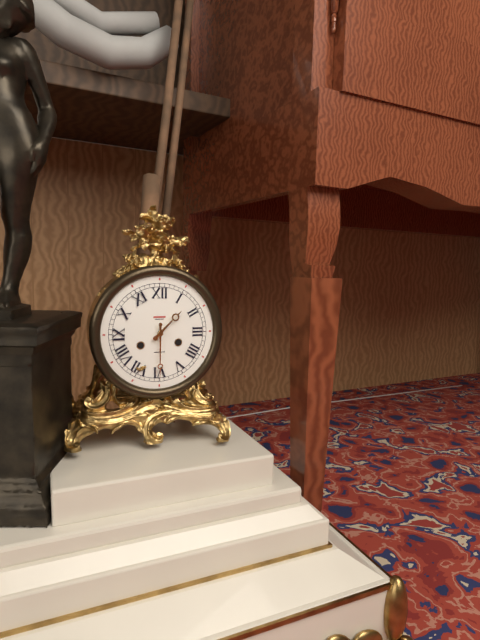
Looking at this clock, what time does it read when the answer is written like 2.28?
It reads 1.30
